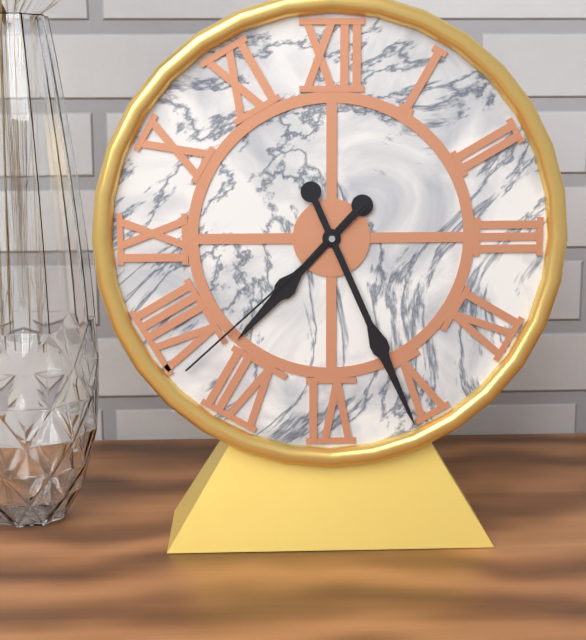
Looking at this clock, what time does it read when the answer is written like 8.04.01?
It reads 7.26.38
